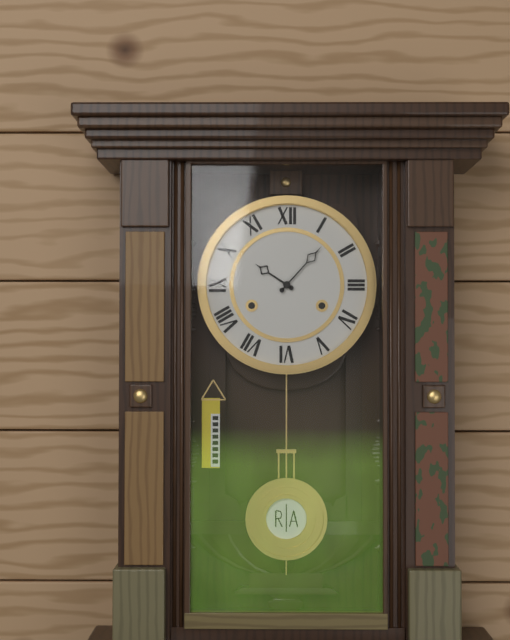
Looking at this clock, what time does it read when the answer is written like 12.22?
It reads 10.07
